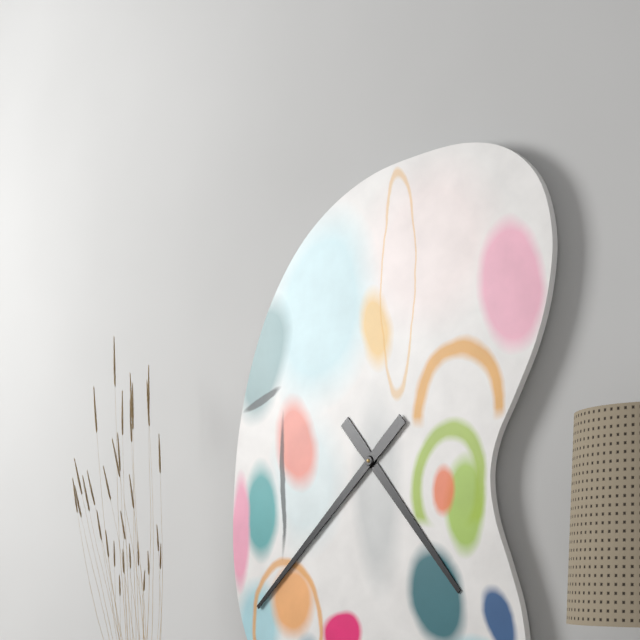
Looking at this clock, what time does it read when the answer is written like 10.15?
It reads 4.38
